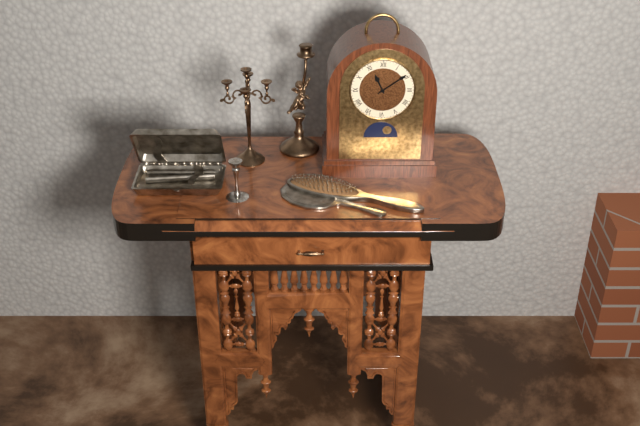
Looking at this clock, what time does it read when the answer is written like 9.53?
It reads 11.09
